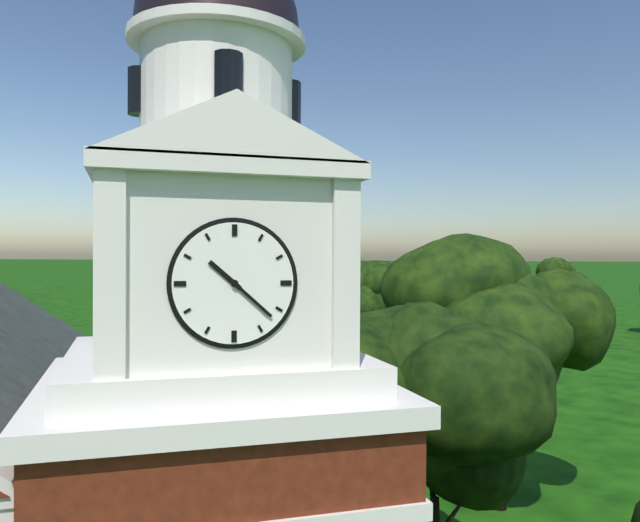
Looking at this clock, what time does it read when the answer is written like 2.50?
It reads 10.22
